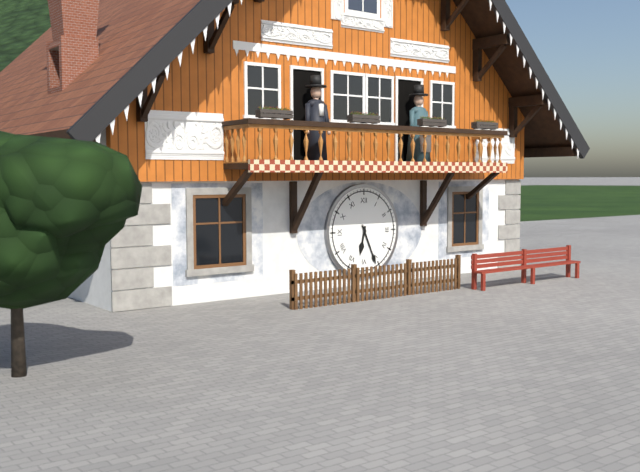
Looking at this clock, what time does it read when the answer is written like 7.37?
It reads 6.26
